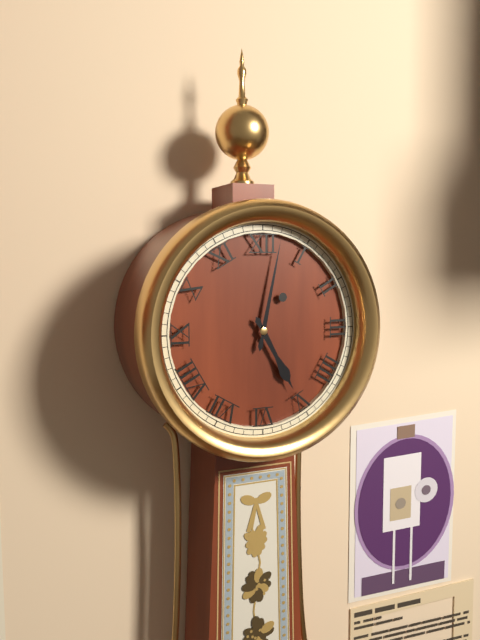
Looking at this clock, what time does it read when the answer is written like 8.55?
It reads 5.02
